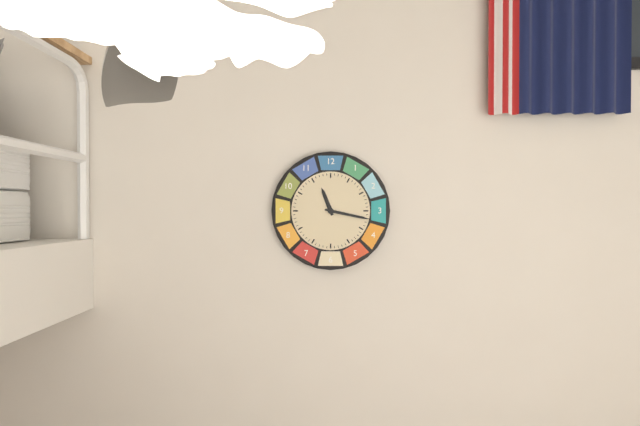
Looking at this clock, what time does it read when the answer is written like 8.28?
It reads 11.17
